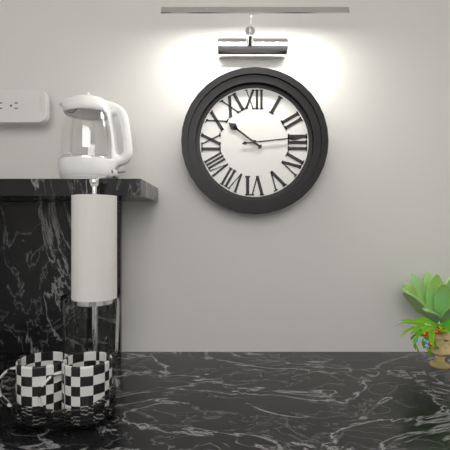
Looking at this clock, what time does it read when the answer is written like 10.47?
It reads 10.14
